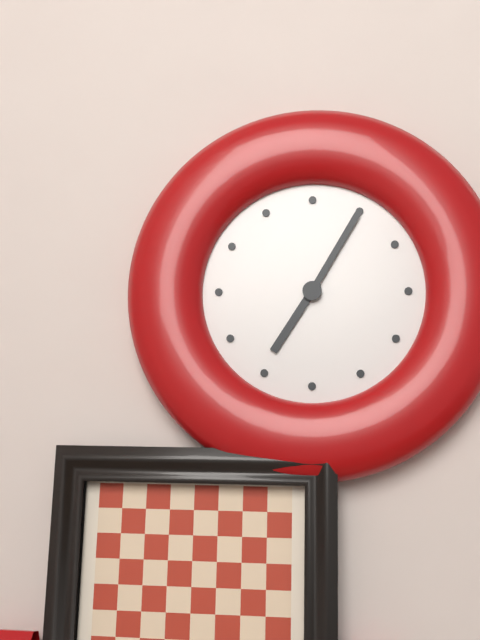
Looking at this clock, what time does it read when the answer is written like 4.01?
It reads 7.05
